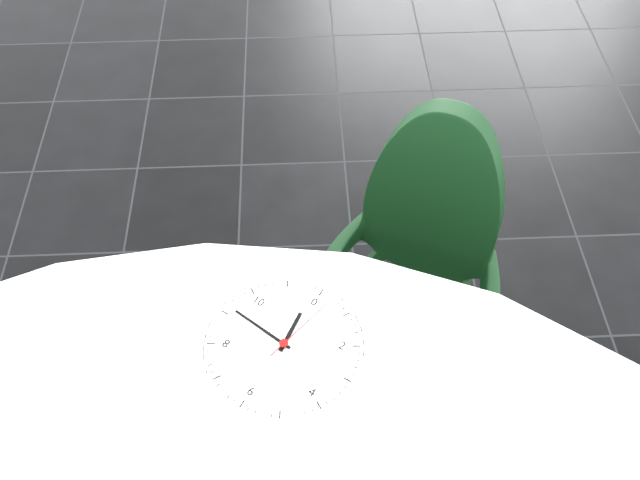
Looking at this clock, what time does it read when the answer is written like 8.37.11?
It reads 11.46.02
